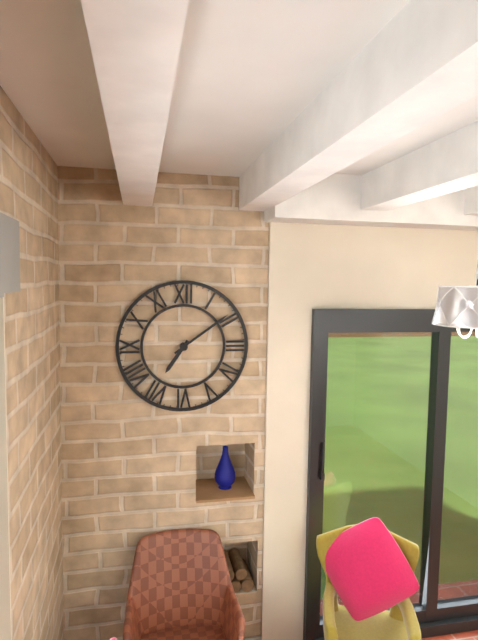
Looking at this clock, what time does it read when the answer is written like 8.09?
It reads 7.09
